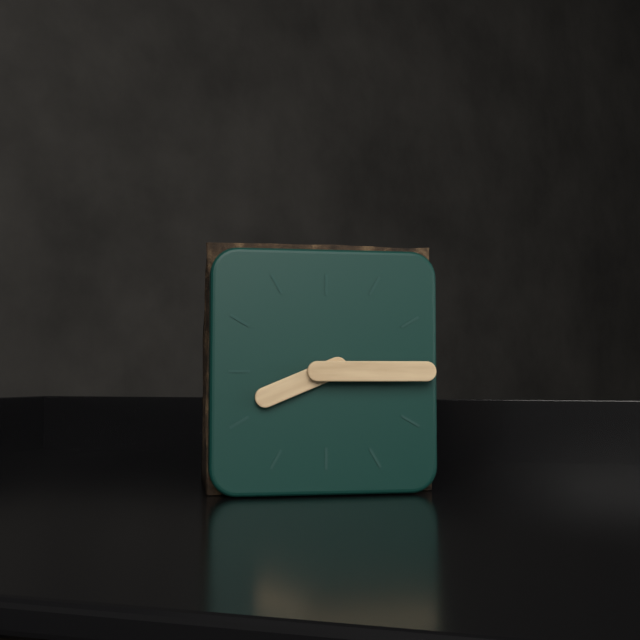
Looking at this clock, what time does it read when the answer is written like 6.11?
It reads 8.15
